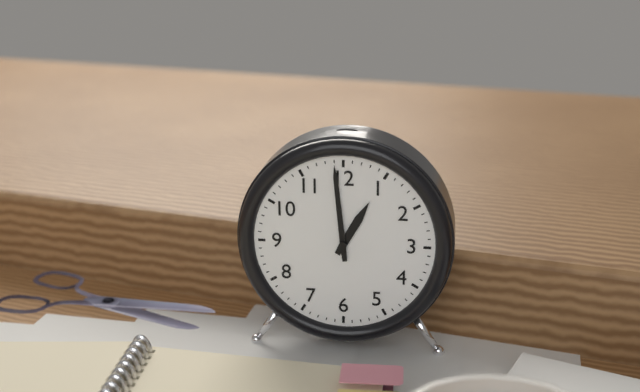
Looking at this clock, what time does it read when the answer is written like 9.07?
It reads 12.59
